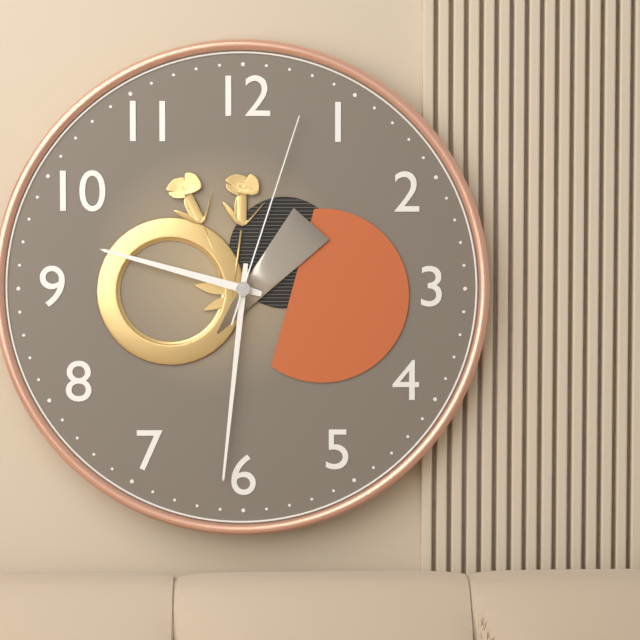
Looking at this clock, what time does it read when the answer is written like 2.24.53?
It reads 9.31.03
